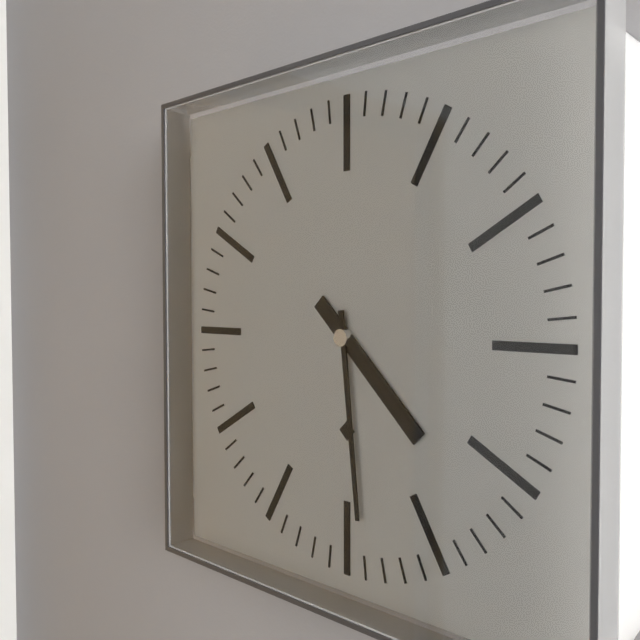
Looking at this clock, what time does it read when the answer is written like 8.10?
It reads 4.29
